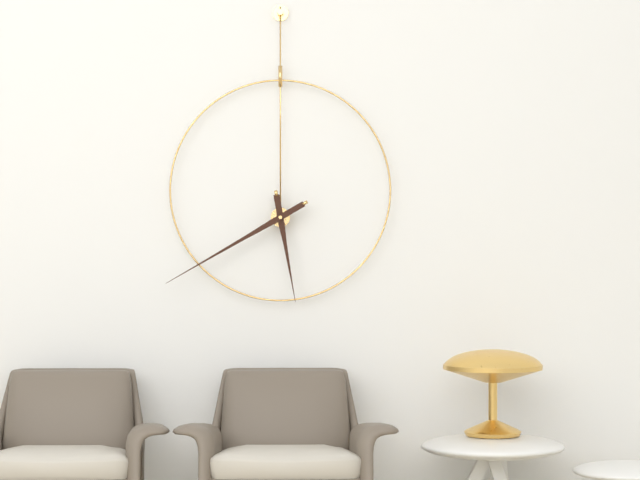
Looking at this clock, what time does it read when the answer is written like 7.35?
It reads 5.40
